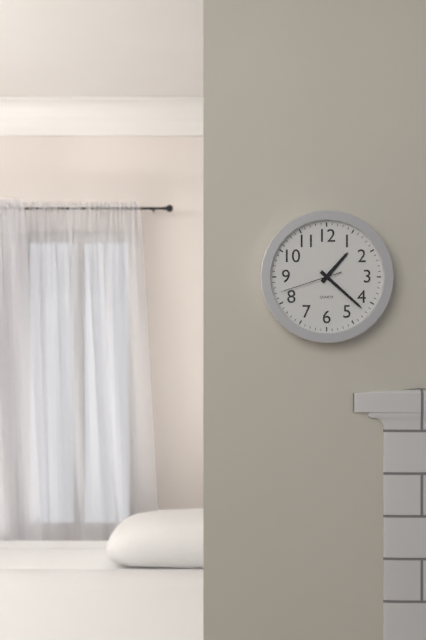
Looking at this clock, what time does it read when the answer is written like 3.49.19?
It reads 1.22.42
